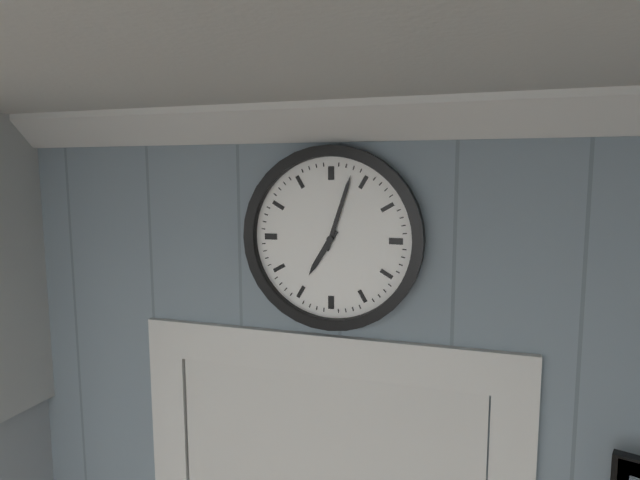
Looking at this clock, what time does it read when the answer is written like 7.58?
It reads 7.03
